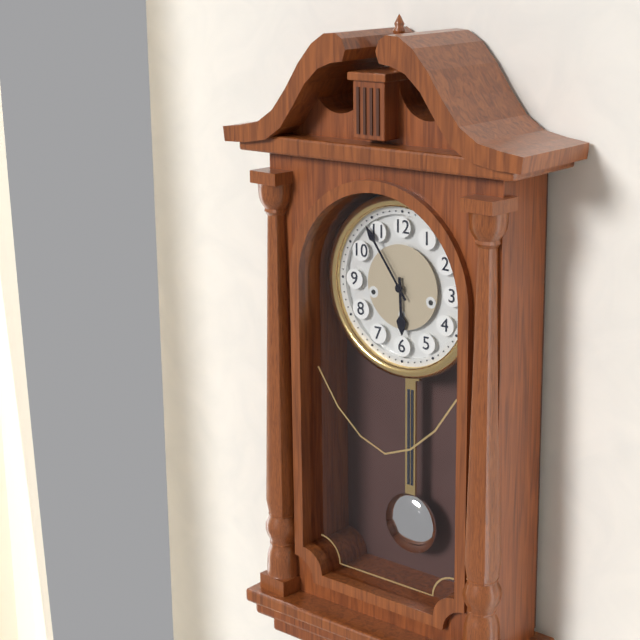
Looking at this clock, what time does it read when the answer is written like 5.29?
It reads 5.54
